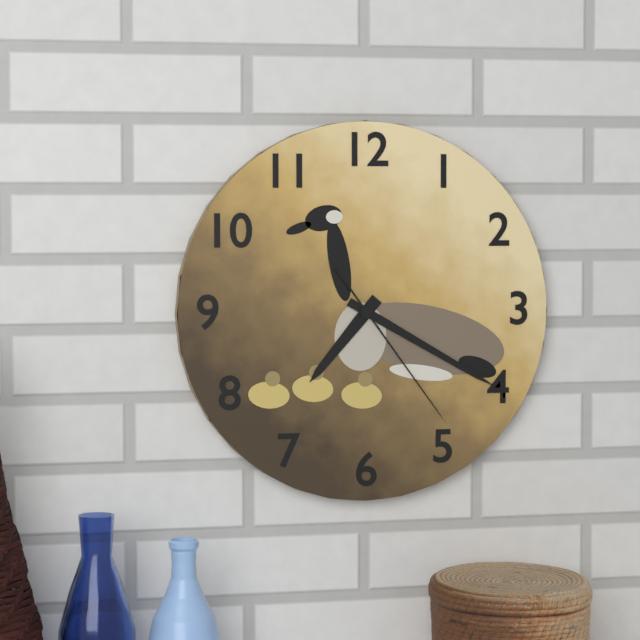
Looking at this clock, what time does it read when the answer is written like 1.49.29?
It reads 7.20.24
